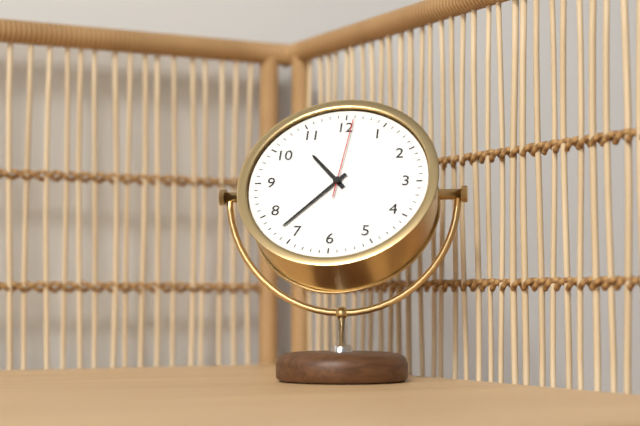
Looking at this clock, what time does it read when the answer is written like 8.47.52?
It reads 10.37.01
